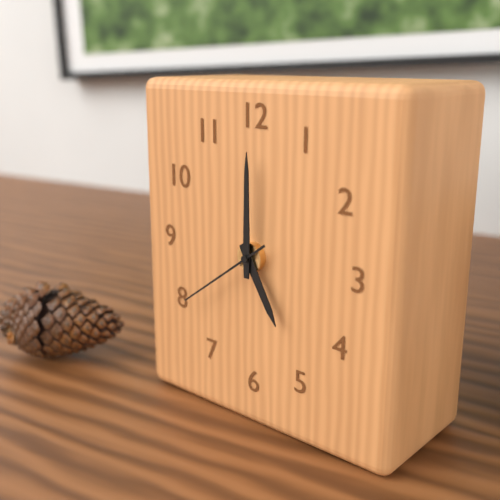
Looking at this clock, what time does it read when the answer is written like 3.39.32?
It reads 5.00.39
